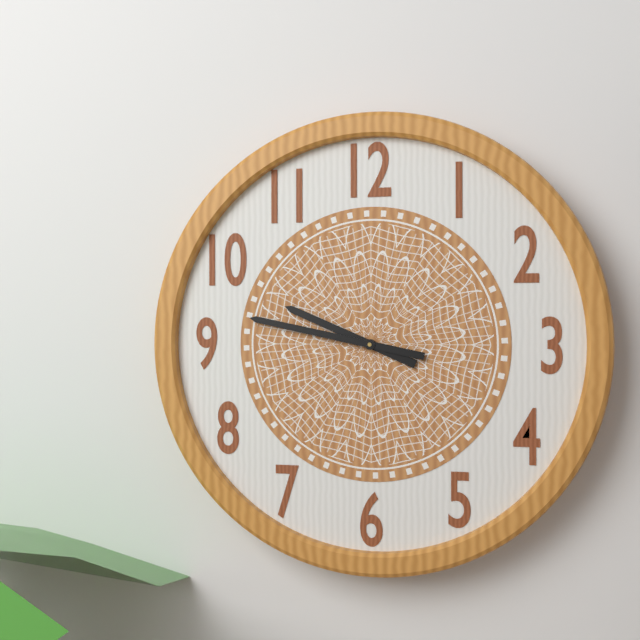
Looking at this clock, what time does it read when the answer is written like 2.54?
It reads 9.47
